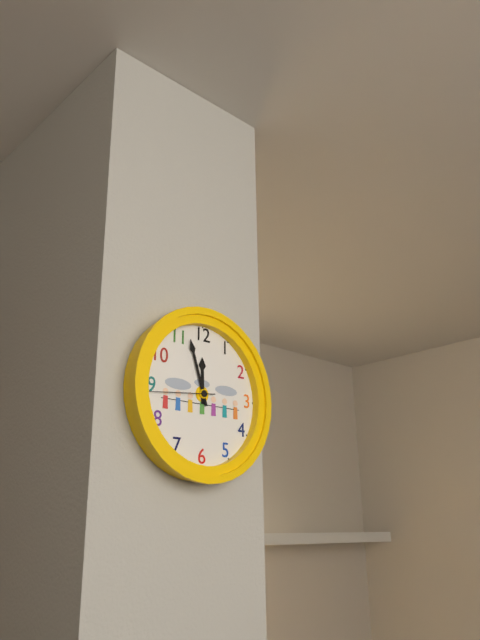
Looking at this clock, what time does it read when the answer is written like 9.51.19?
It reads 11.57.44
